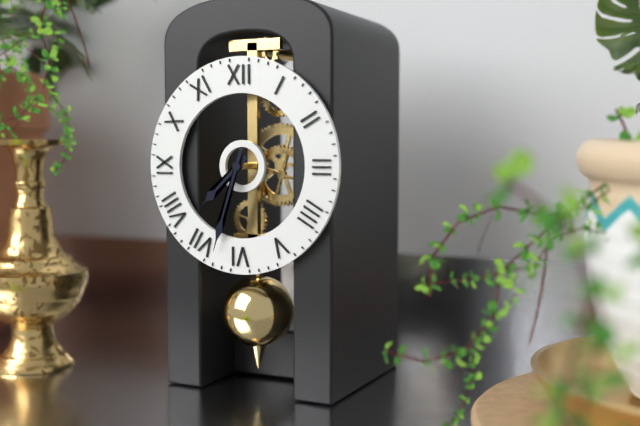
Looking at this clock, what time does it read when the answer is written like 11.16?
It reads 7.33
